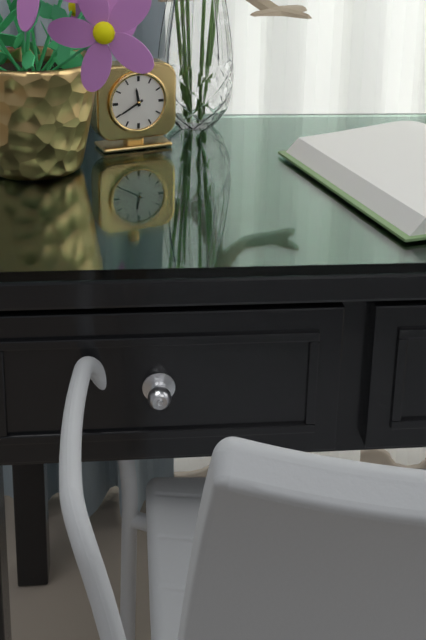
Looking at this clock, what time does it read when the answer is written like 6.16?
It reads 11.40
